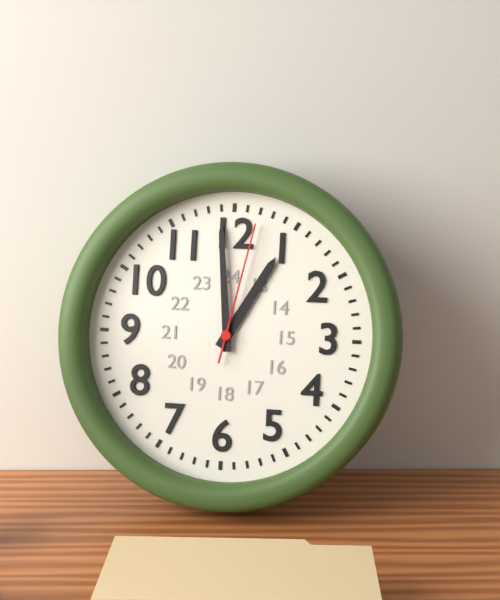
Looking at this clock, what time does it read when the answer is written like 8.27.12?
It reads 12.59.02
